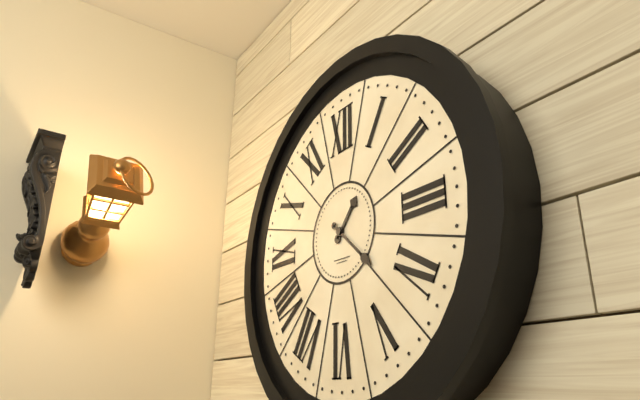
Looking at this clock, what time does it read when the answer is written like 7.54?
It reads 1.22
